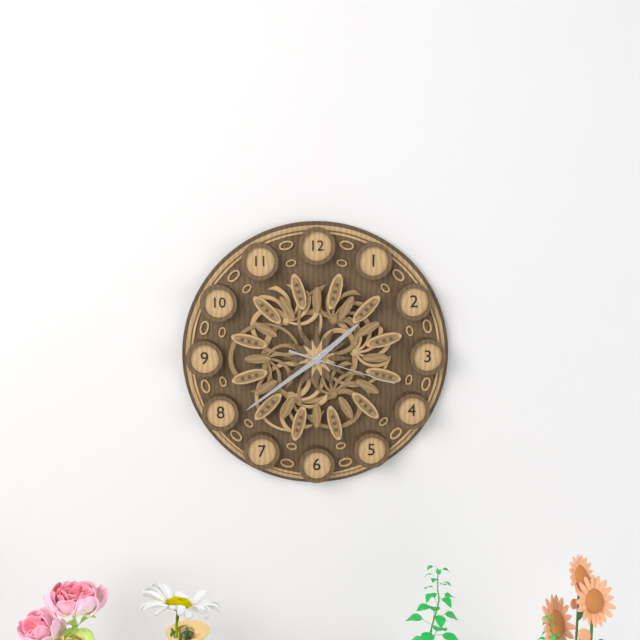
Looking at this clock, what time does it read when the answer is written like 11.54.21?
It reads 1.39.18
